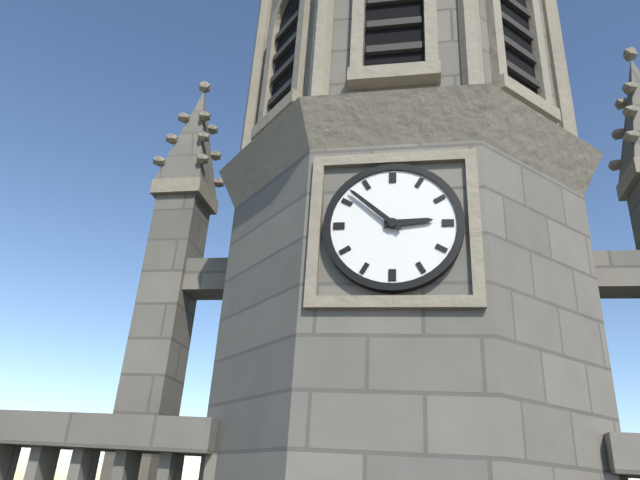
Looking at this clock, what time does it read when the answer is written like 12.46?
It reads 2.52
